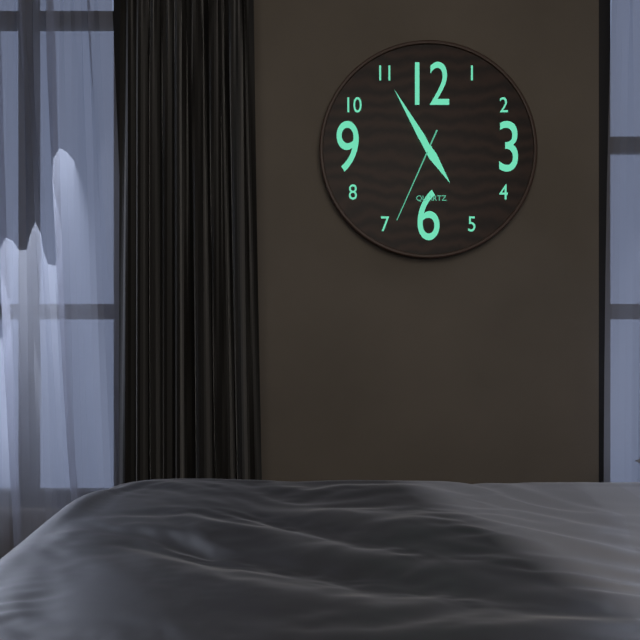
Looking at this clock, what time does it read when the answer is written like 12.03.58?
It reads 4.55.34
